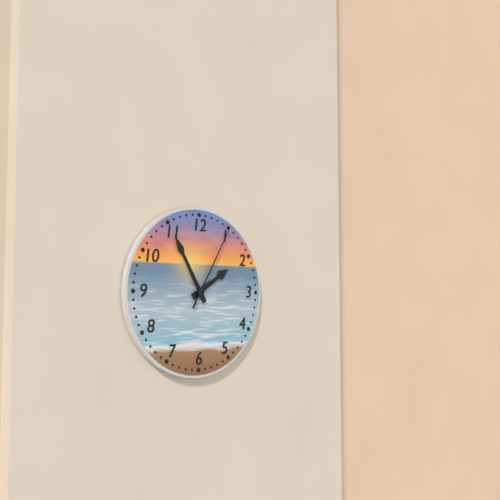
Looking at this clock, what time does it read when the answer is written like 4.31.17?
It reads 1.55.05
